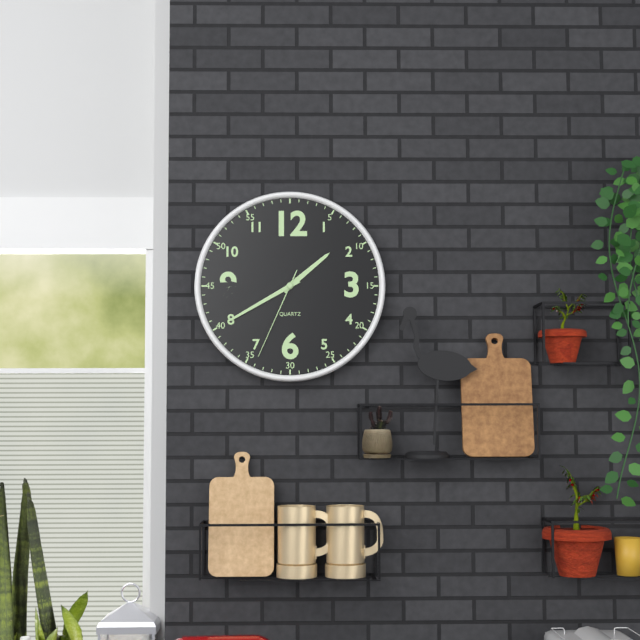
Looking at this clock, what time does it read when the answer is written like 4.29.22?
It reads 1.40.34
